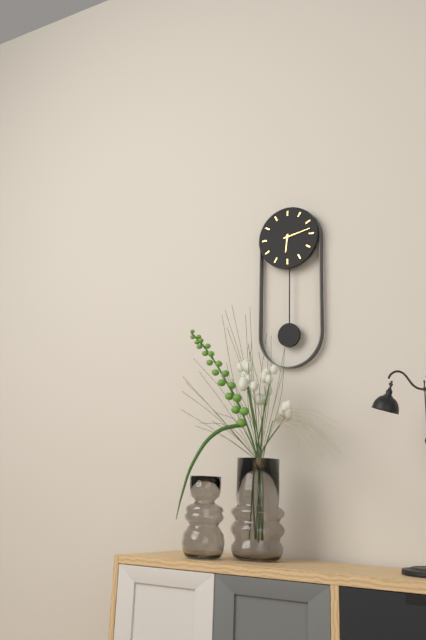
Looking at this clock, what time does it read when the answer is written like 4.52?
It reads 6.13
